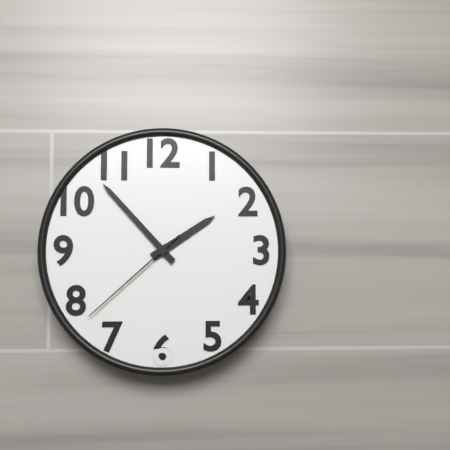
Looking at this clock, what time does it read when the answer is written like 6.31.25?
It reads 1.53.38
